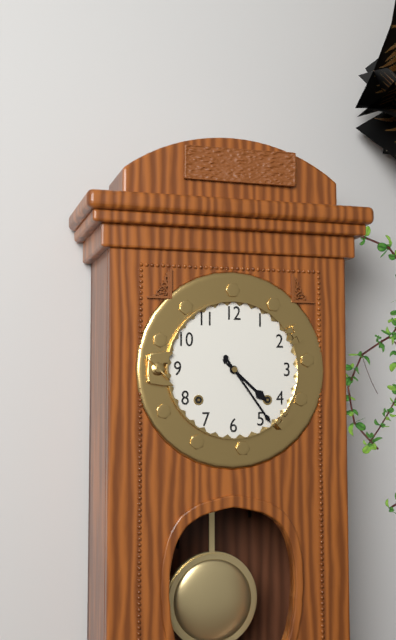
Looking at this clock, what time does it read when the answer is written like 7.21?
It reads 4.24
